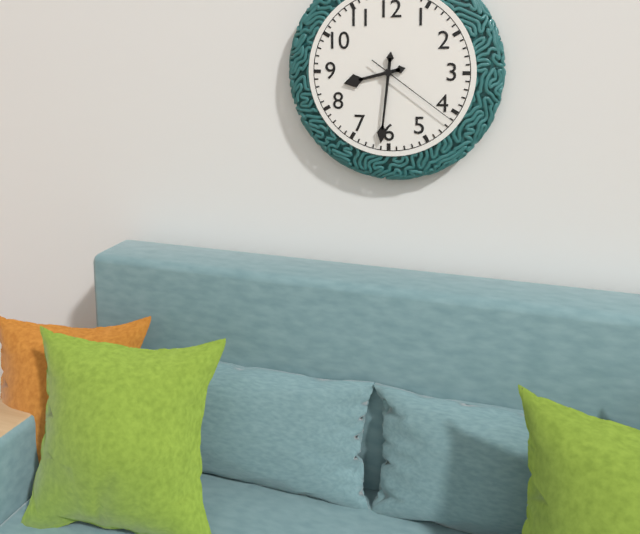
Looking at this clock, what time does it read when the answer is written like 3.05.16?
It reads 8.31.21
